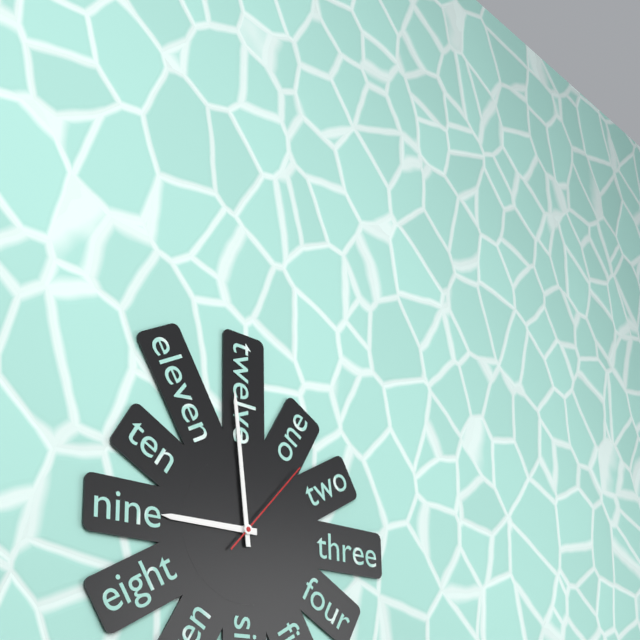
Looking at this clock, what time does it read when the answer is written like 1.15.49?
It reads 8.59.07
